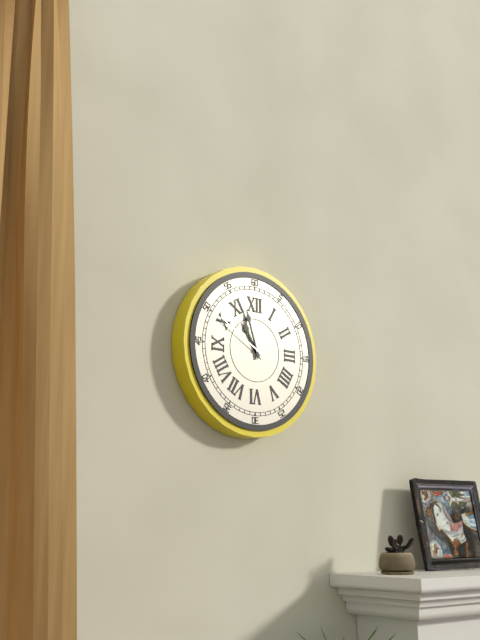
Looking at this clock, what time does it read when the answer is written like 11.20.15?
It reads 10.57.50
